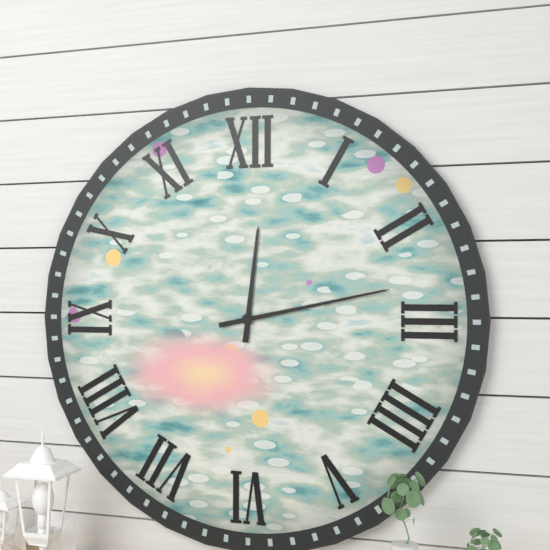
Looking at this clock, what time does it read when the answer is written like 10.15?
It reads 12.13
